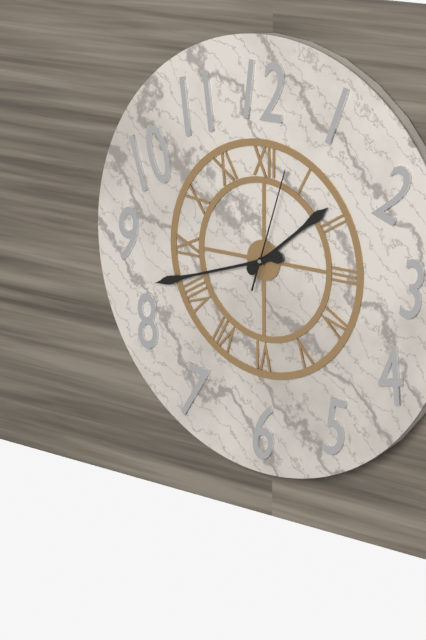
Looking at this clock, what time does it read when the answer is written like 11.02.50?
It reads 1.42.03
